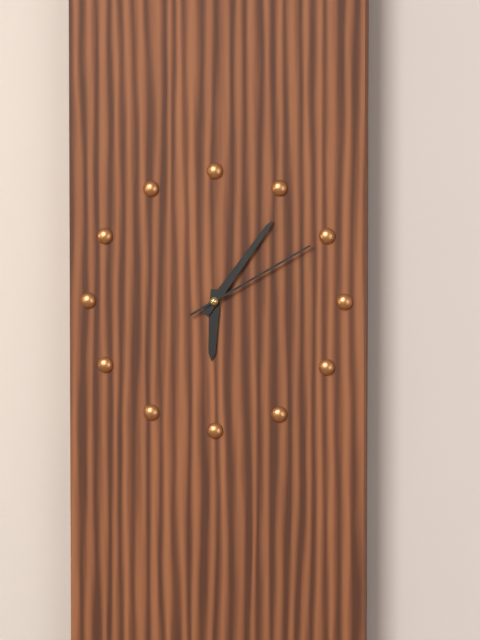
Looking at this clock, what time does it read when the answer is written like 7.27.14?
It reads 6.06.10
